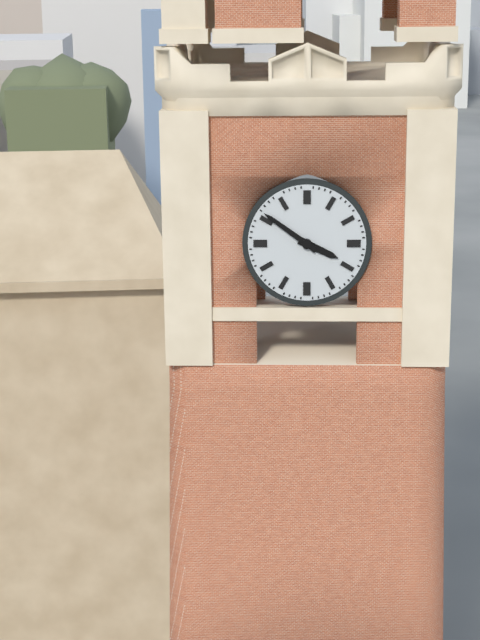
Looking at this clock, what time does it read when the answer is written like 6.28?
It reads 3.51
